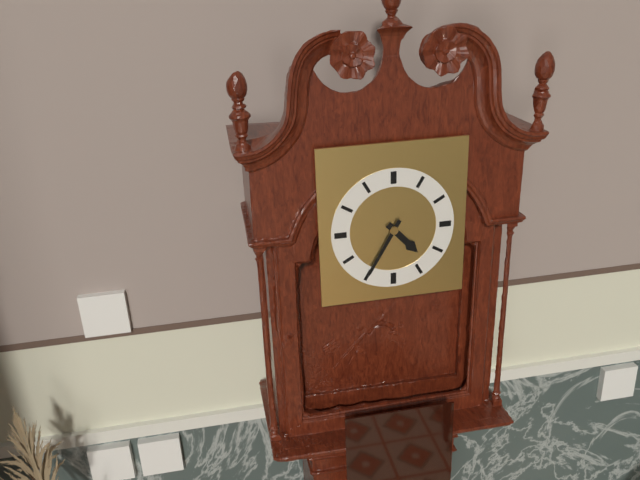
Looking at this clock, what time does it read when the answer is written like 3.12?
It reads 4.35
